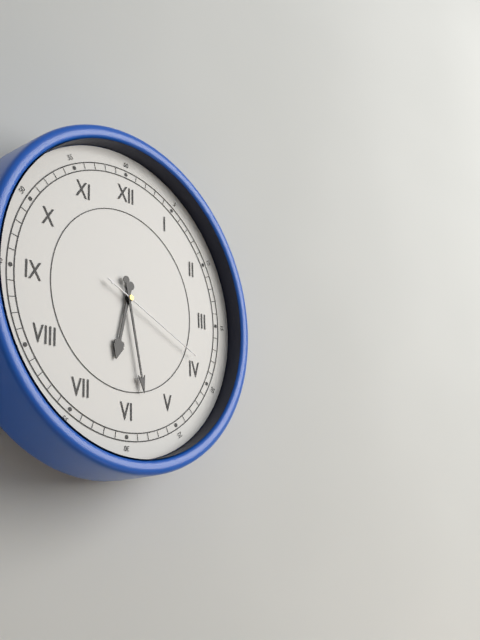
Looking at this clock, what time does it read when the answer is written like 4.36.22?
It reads 6.28.19
